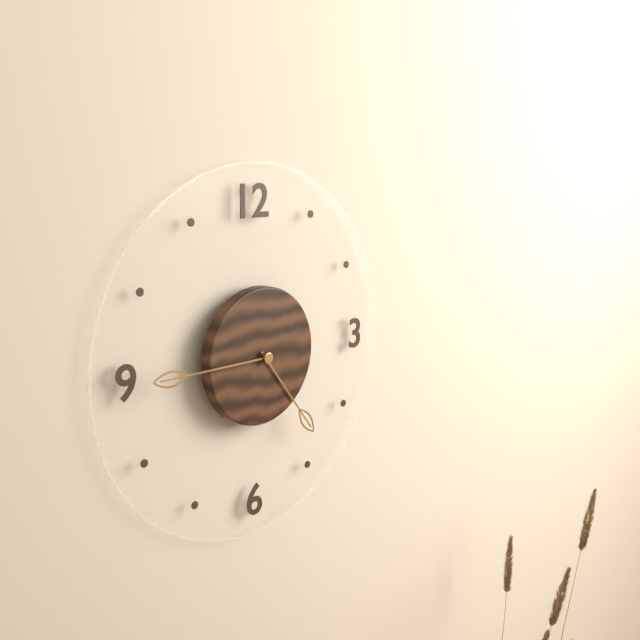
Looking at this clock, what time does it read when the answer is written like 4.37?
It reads 4.45
